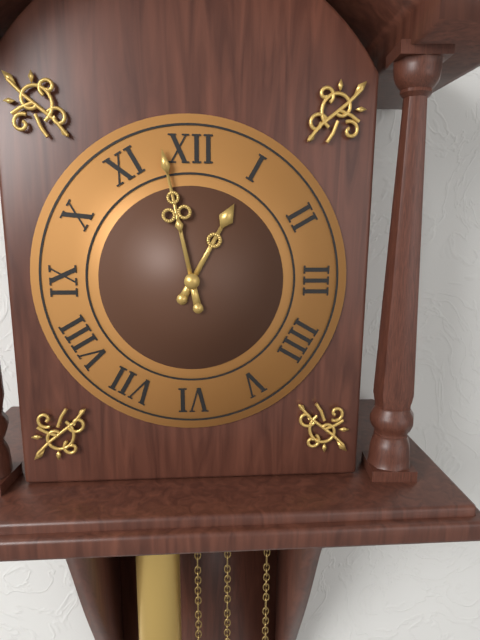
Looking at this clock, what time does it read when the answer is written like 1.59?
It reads 12.58
